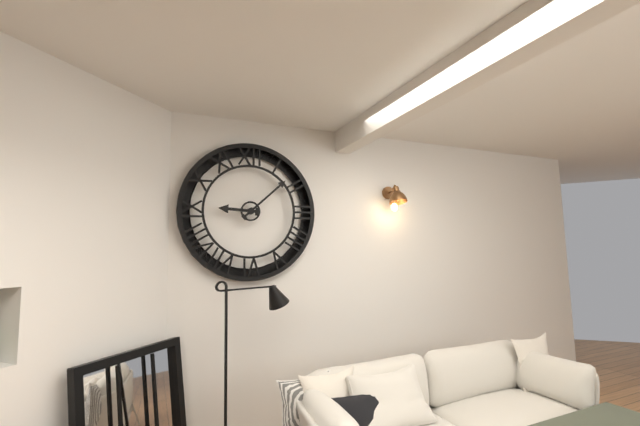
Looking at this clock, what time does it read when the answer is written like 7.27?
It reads 9.08
